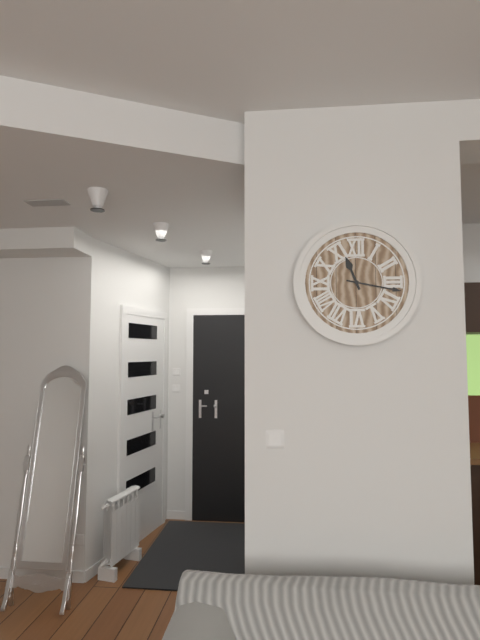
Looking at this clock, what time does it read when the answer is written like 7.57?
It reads 11.17
